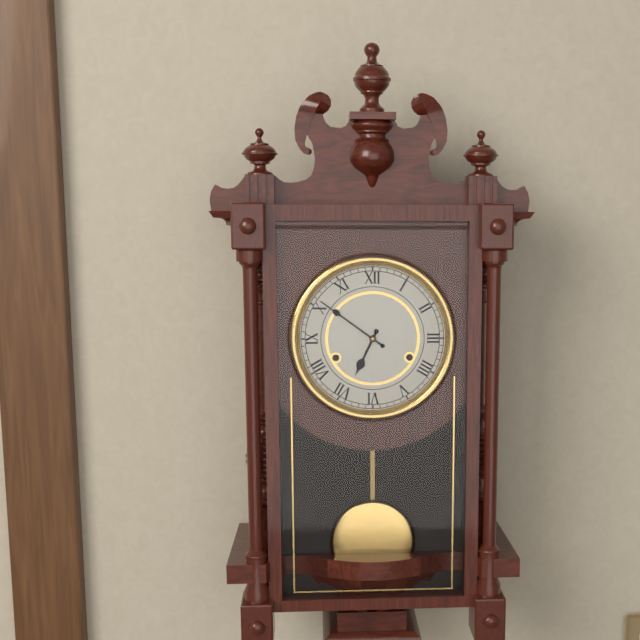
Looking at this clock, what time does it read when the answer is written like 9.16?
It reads 6.51
